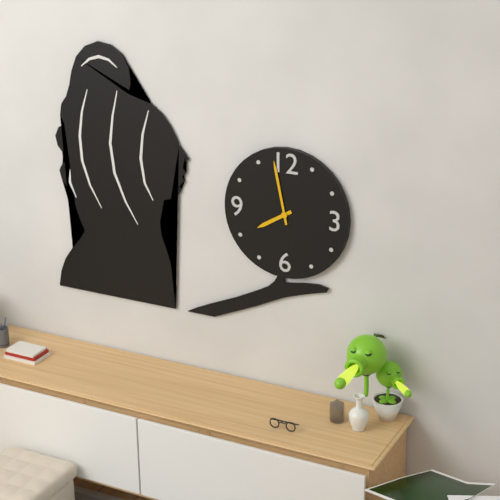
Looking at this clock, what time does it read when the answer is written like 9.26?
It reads 7.58
